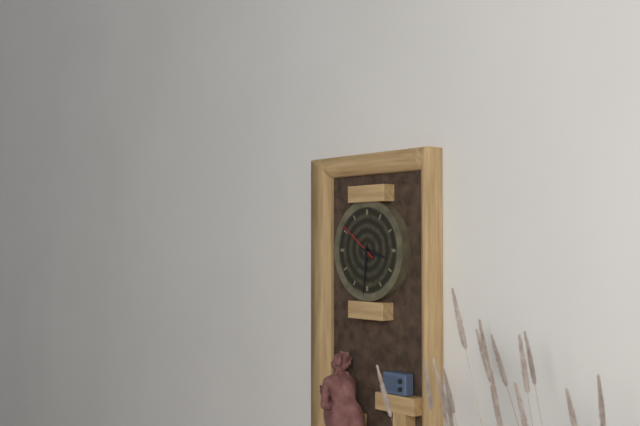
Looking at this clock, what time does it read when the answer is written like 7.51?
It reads 3.31
